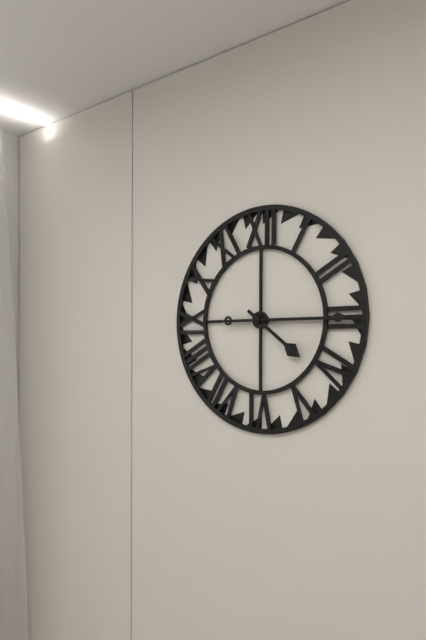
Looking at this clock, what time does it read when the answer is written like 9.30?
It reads 4.15
